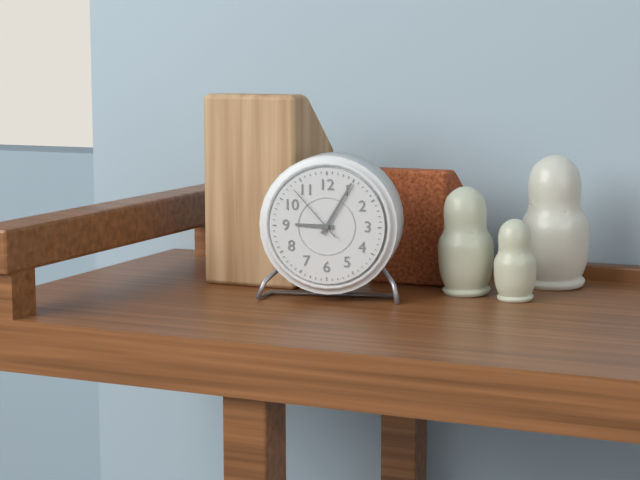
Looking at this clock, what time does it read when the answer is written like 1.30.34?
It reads 9.05.53
